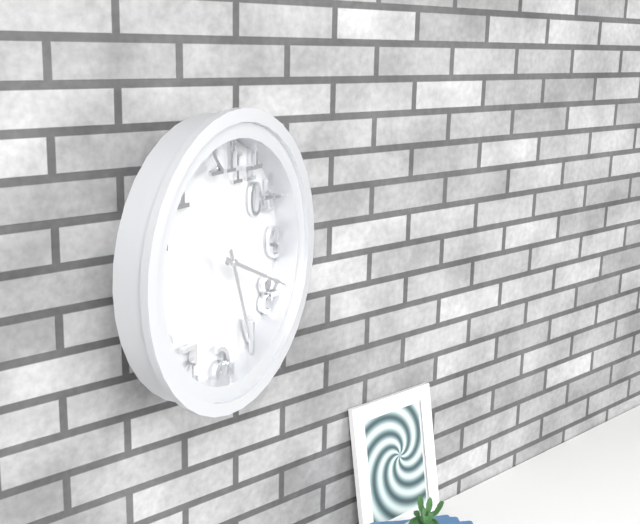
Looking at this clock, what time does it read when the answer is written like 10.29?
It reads 5.19
